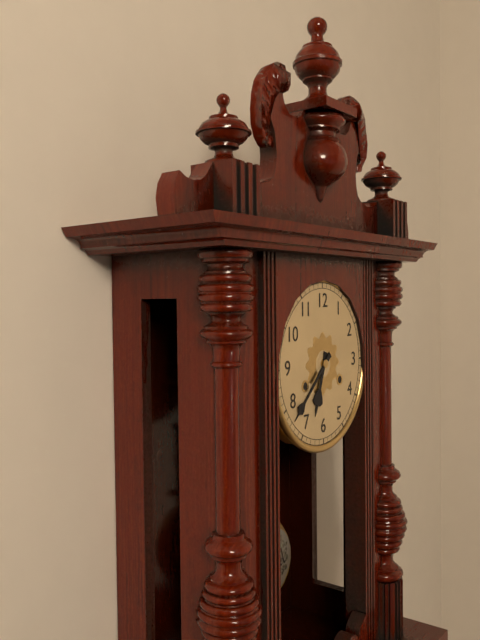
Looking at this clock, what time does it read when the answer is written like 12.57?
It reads 6.38
